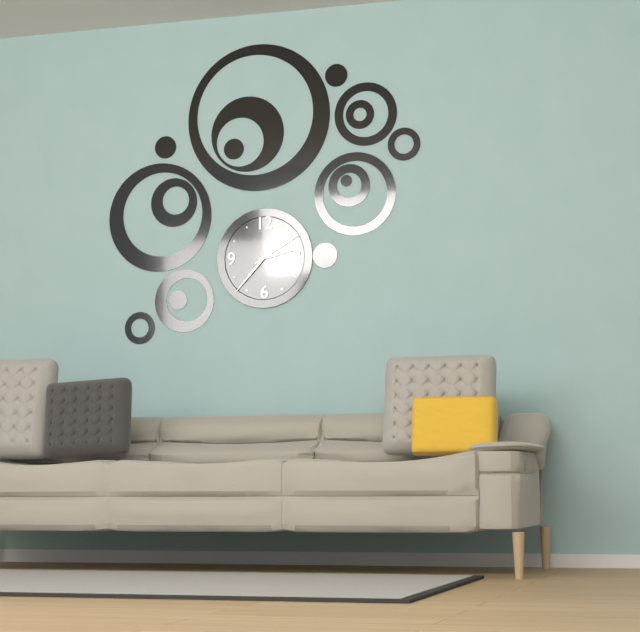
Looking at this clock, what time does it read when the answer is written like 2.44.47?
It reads 2.37.10
